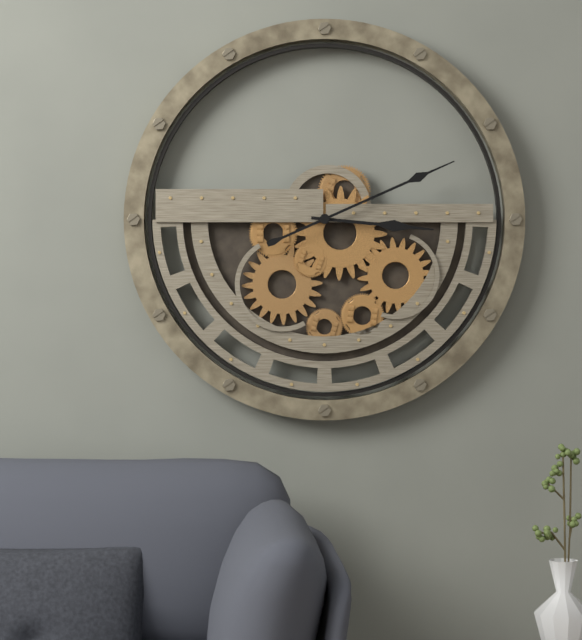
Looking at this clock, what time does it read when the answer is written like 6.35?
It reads 3.11
